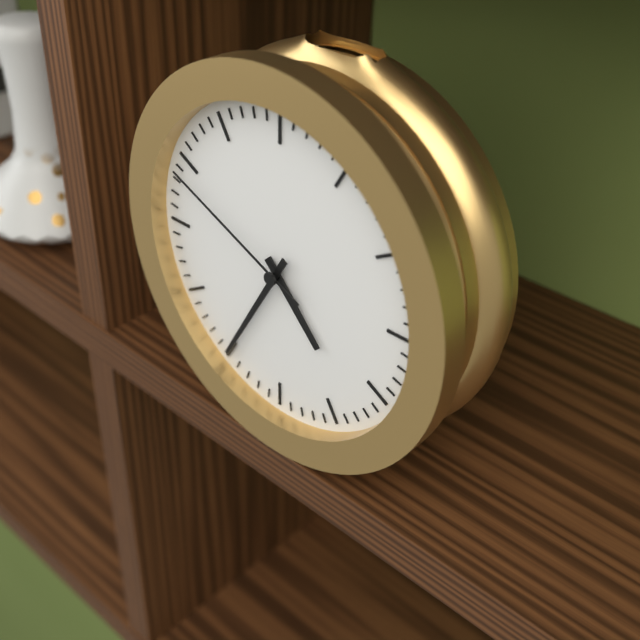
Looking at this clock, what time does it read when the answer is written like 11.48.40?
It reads 4.35.49
